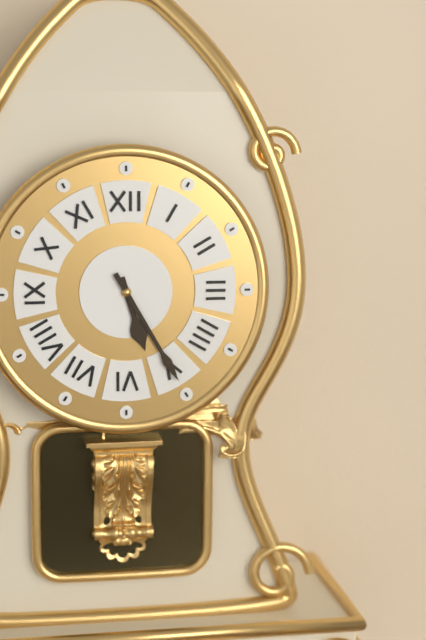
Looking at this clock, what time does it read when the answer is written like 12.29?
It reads 5.25
